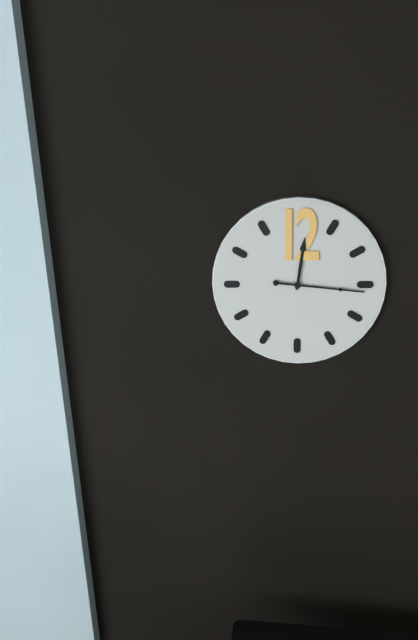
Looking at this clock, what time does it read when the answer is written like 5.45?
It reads 12.16
